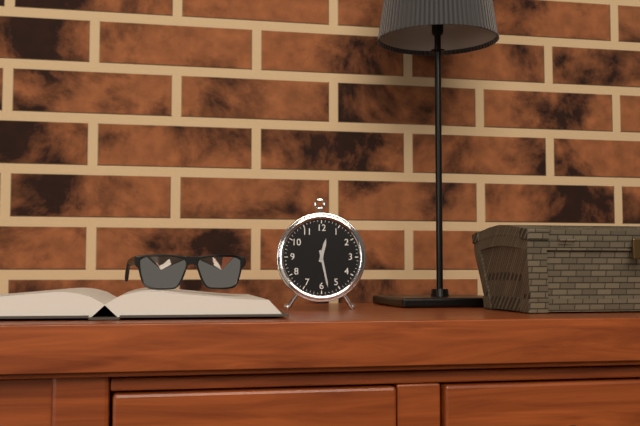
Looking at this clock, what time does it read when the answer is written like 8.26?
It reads 12.28
